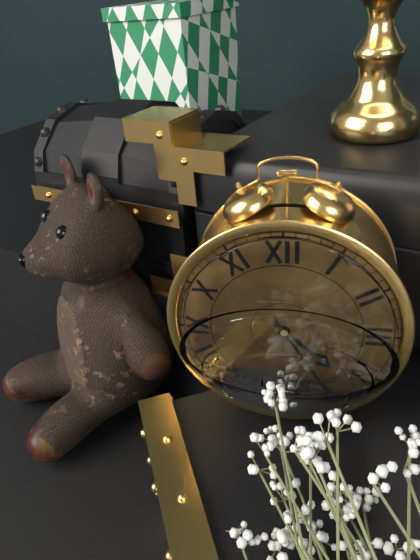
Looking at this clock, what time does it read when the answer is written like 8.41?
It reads 4.25
